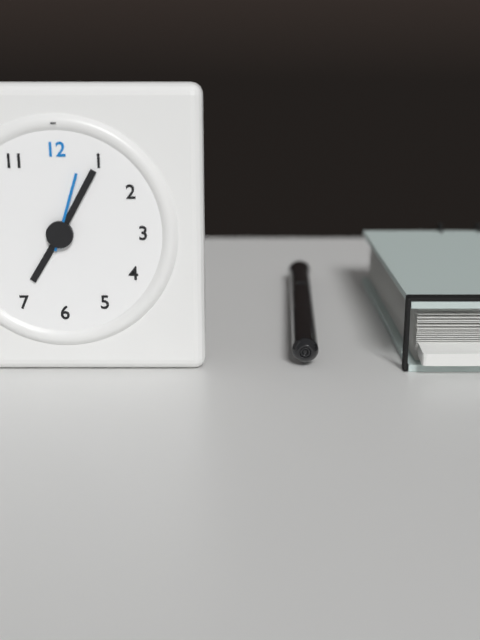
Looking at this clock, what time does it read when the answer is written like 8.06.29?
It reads 7.05.03
